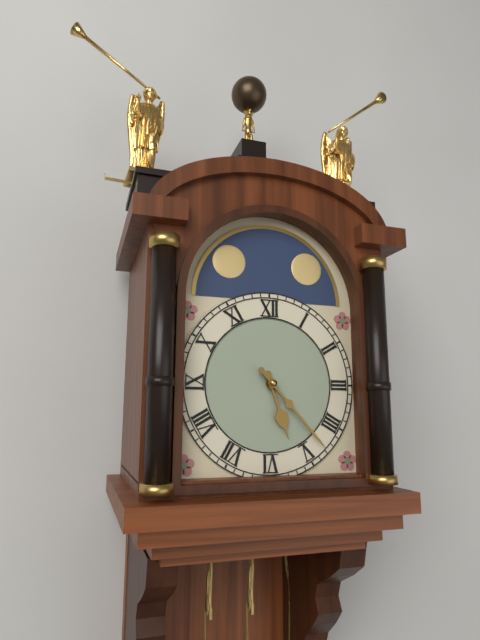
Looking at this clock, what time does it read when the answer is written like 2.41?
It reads 5.23
